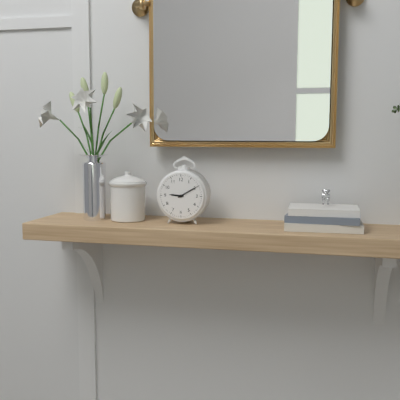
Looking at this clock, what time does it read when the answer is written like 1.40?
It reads 9.10
